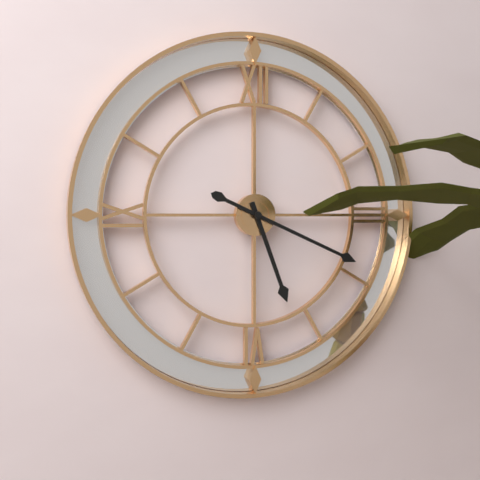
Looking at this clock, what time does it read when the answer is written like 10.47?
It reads 5.19
